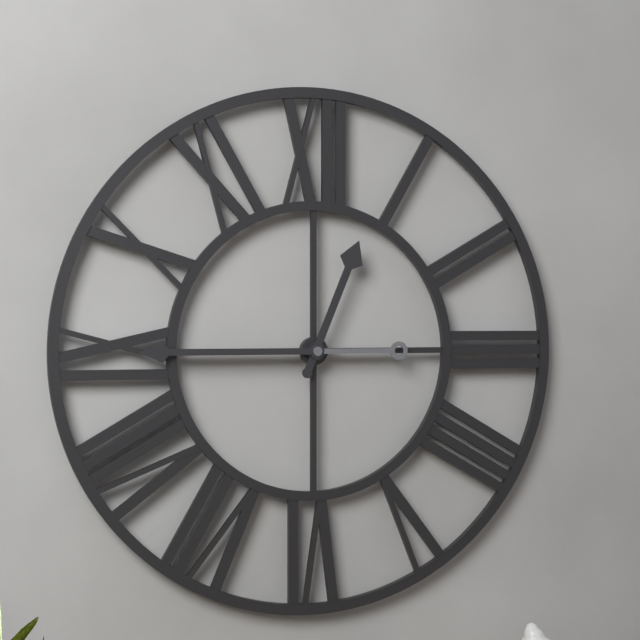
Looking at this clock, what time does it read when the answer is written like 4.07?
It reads 12.45
